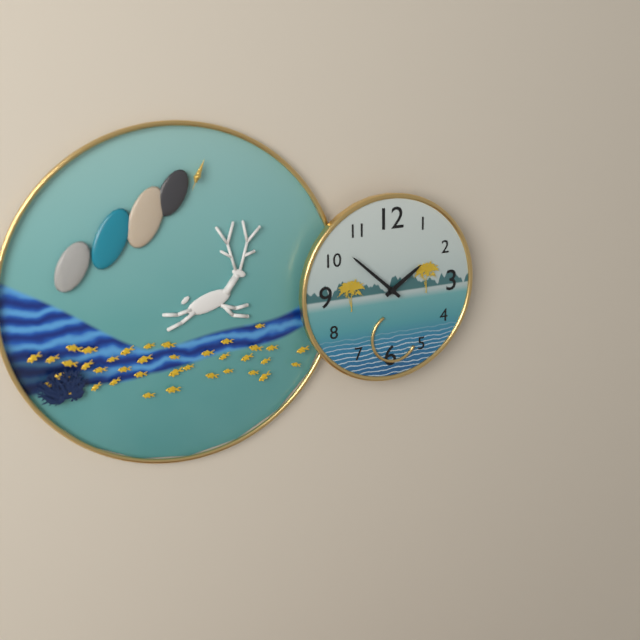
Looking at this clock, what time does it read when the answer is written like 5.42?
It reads 1.52
